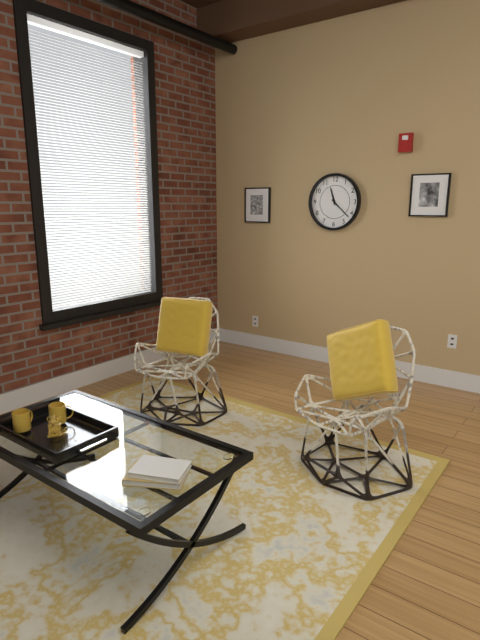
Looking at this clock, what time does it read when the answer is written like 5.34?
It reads 11.22
